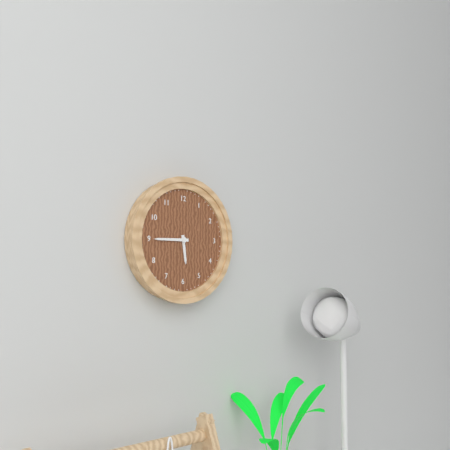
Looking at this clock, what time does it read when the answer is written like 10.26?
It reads 5.45
